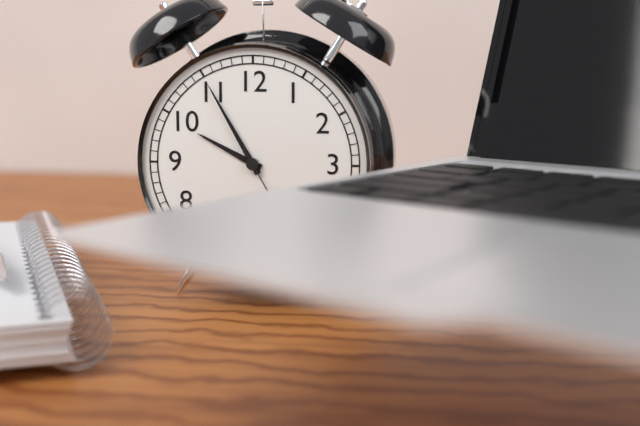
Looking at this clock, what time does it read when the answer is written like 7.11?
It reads 9.55
